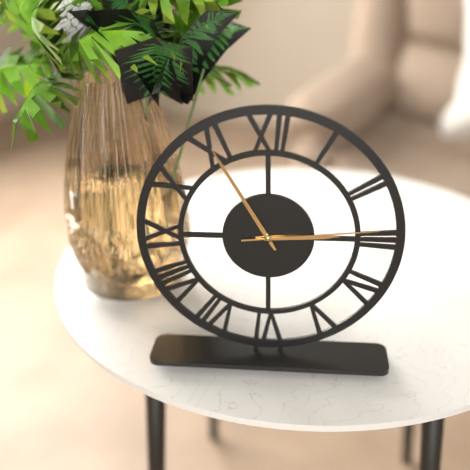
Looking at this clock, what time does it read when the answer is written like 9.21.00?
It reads 2.55.14
